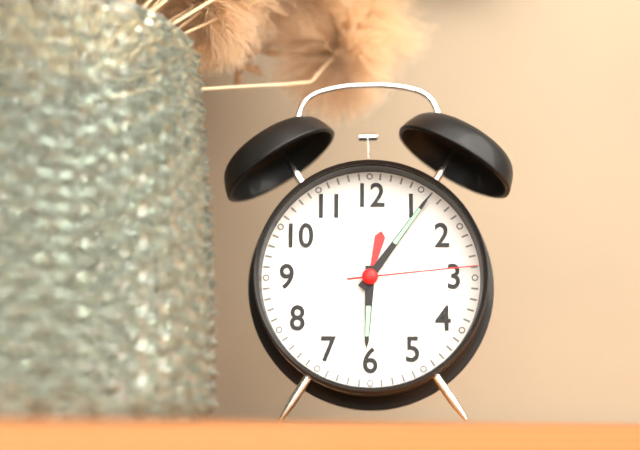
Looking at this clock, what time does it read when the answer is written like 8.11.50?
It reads 6.06.14
